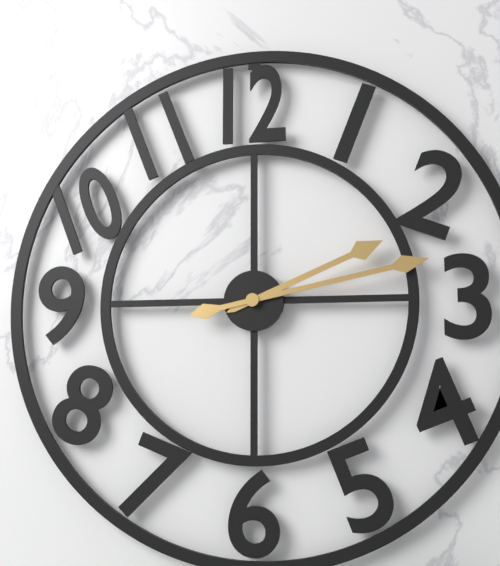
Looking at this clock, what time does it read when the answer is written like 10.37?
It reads 2.13
